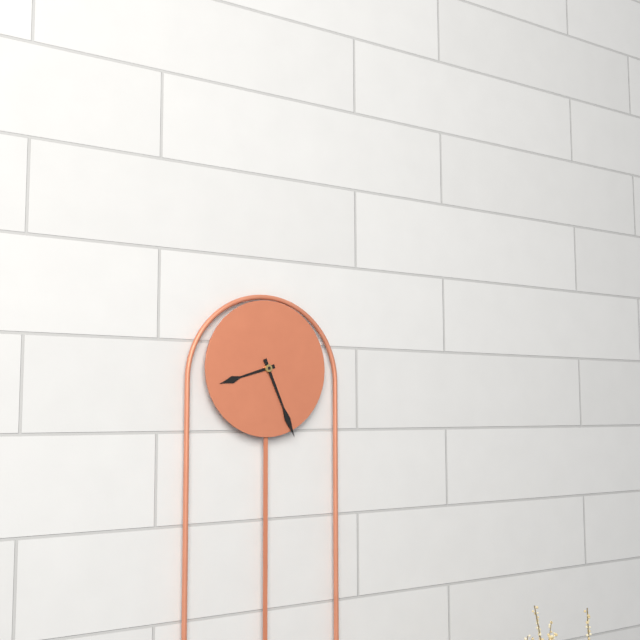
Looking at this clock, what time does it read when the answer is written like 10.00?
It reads 8.26
